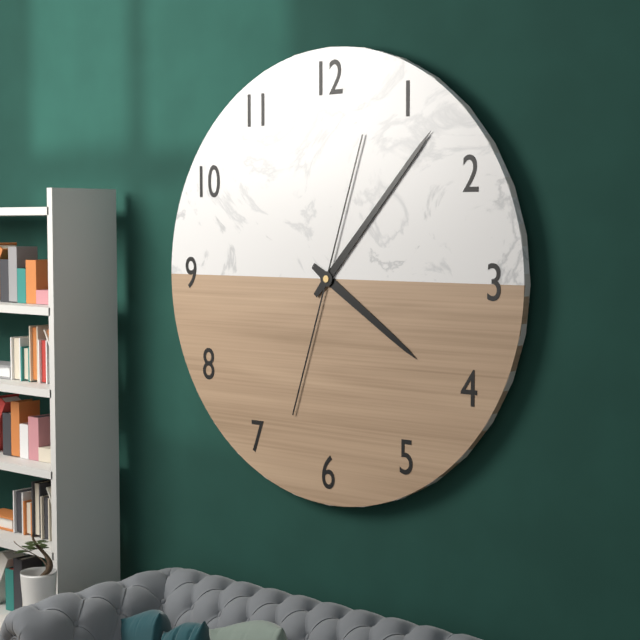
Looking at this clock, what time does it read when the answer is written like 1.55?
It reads 4.07
